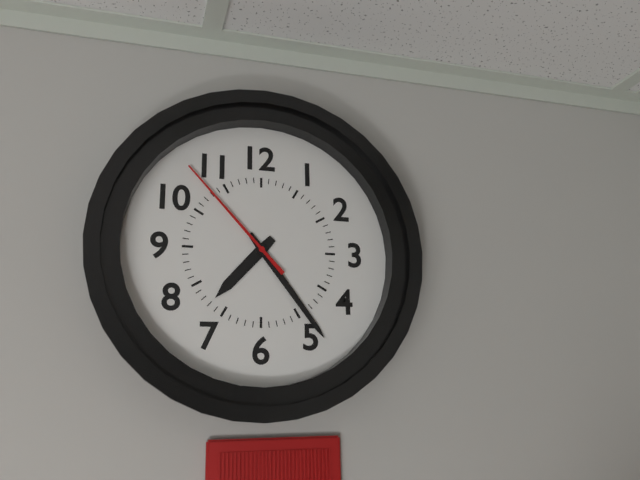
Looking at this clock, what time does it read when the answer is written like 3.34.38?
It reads 7.24.53
